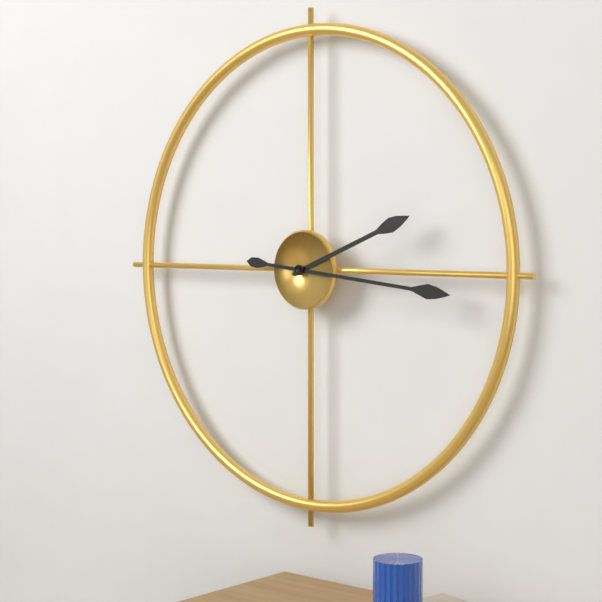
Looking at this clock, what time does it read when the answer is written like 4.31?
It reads 2.16
